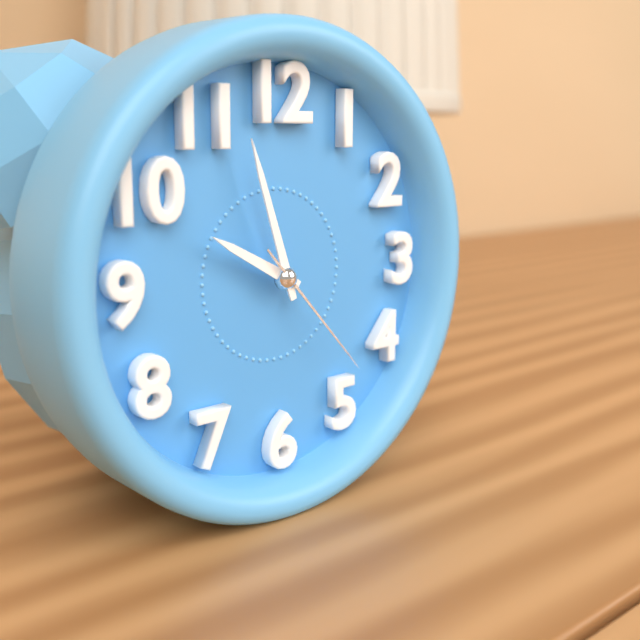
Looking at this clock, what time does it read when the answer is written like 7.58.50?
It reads 9.57.23
